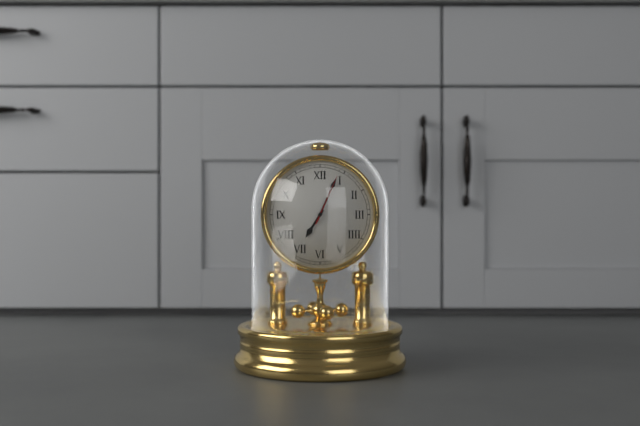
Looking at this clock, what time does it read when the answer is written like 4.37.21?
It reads 7.04.04
